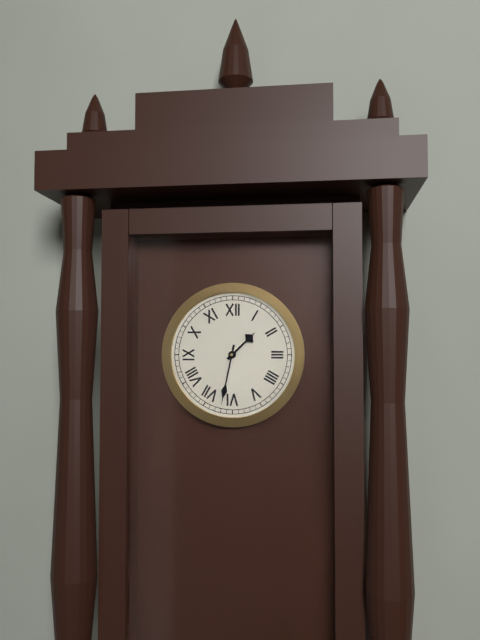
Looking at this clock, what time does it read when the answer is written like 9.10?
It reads 1.32
